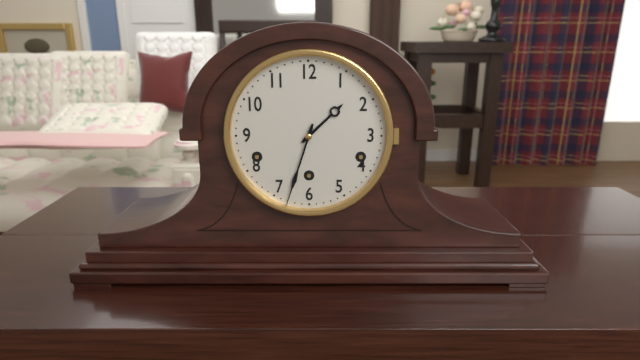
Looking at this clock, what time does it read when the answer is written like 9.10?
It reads 1.33
